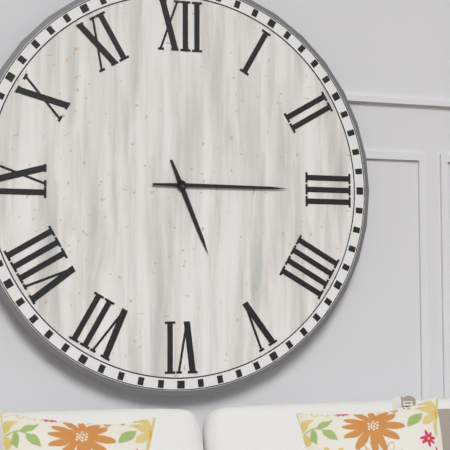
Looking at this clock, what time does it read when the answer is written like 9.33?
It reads 5.15
